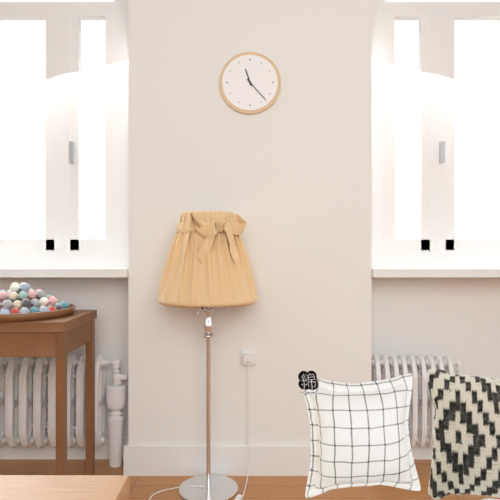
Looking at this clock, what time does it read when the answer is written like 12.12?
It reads 11.23
